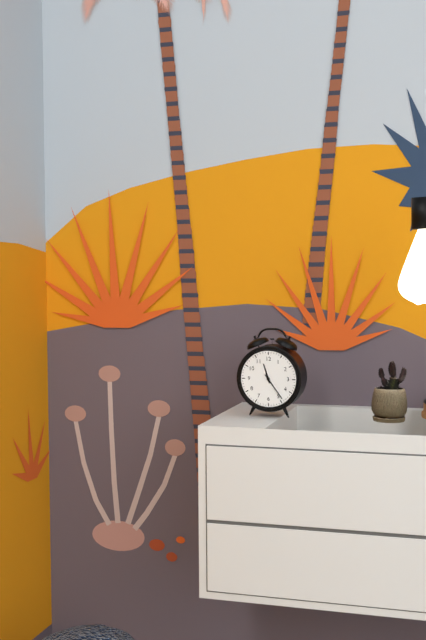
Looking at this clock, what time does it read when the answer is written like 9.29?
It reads 11.24
